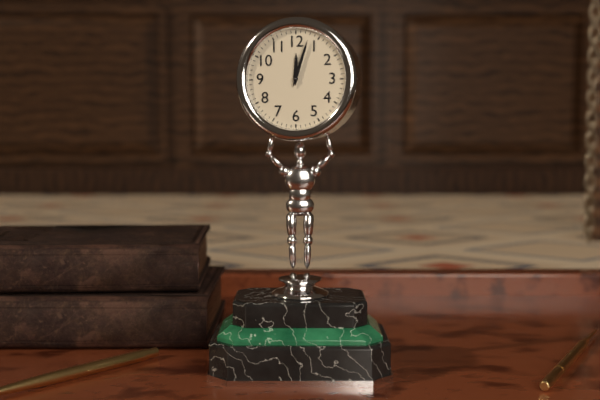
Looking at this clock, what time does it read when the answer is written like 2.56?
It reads 12.03
